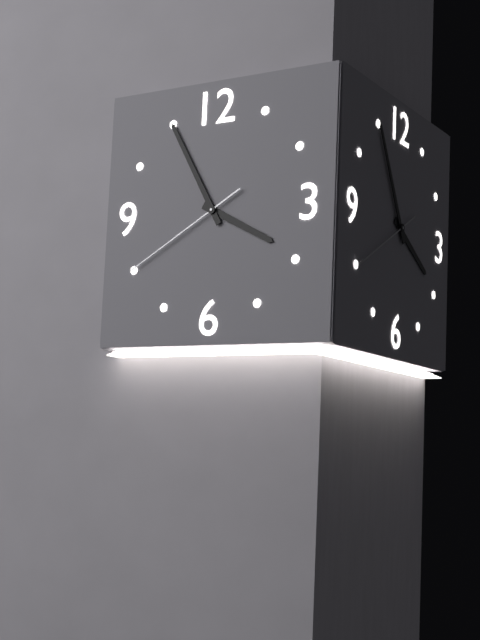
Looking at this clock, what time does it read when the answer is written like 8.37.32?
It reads 3.55.40
